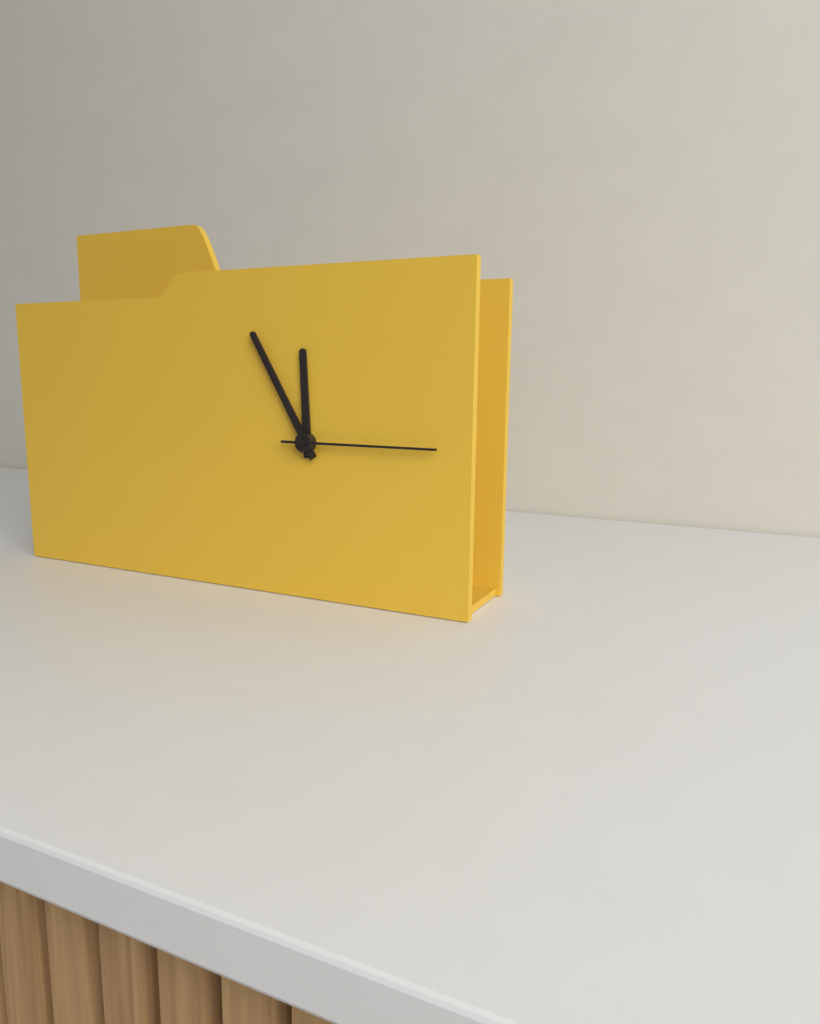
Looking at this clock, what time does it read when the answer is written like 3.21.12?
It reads 11.55.15
